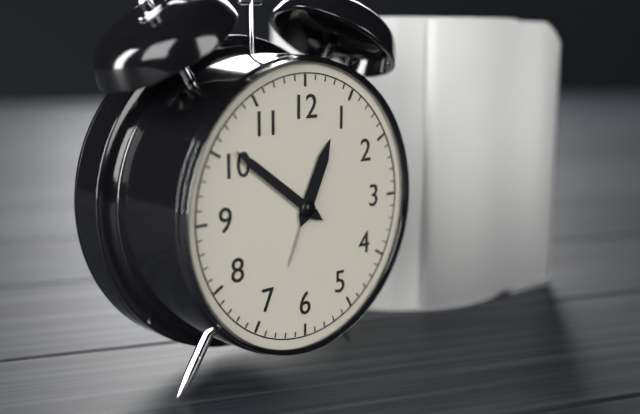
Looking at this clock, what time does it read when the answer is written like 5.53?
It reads 12.51
